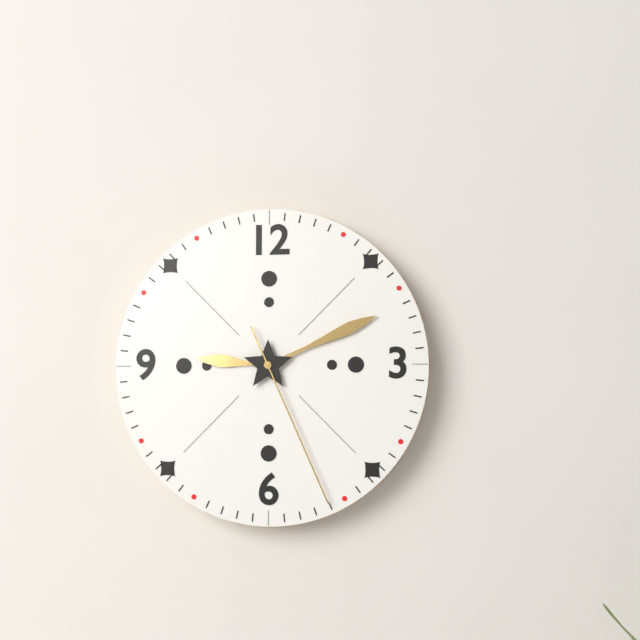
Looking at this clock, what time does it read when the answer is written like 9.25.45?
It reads 9.11.26
